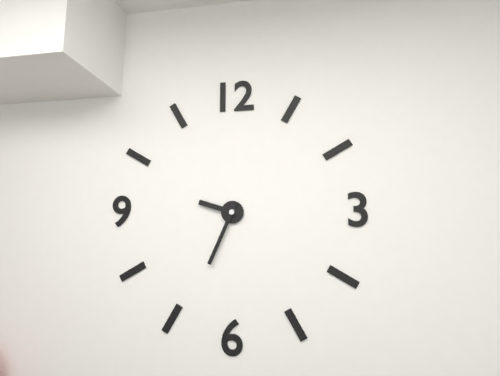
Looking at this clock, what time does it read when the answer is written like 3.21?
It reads 9.34
